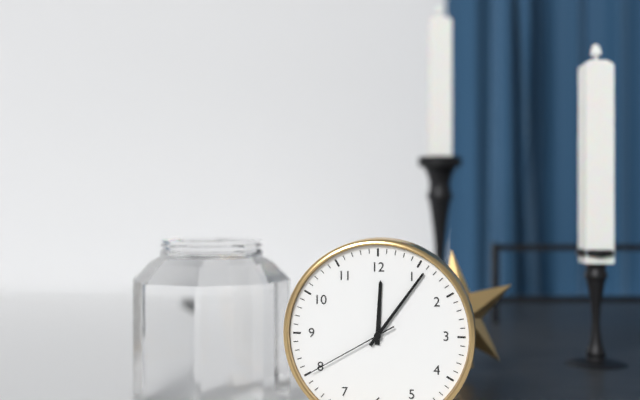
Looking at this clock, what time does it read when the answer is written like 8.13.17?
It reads 12.06.40
